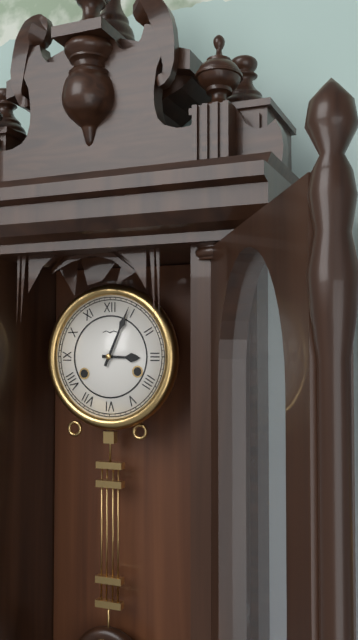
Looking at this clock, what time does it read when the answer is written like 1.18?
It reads 3.04
